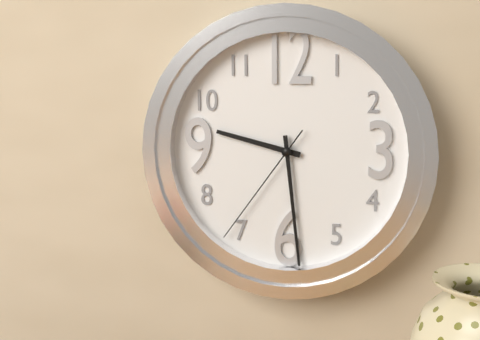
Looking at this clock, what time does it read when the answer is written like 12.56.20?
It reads 9.29.36
